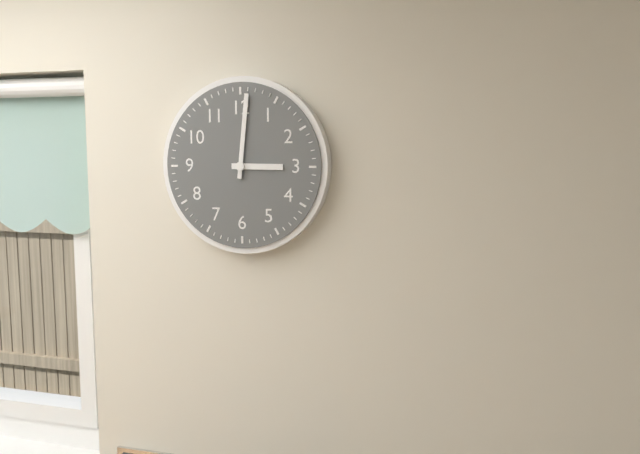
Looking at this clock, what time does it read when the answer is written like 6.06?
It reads 3.01
